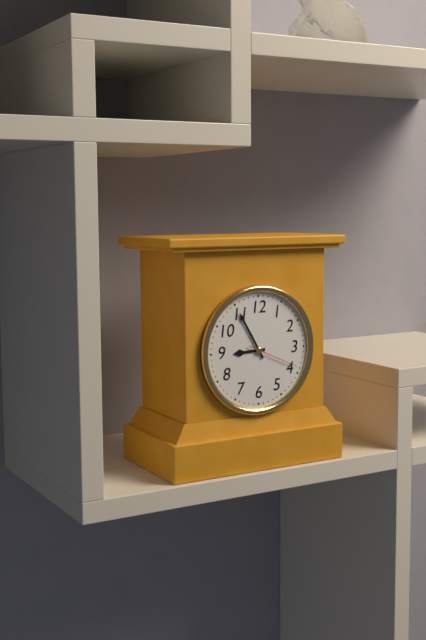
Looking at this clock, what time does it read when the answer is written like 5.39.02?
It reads 8.55.19
